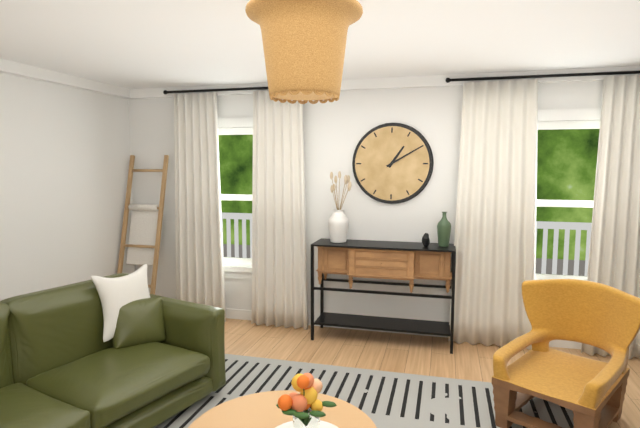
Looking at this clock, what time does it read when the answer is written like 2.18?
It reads 1.10
